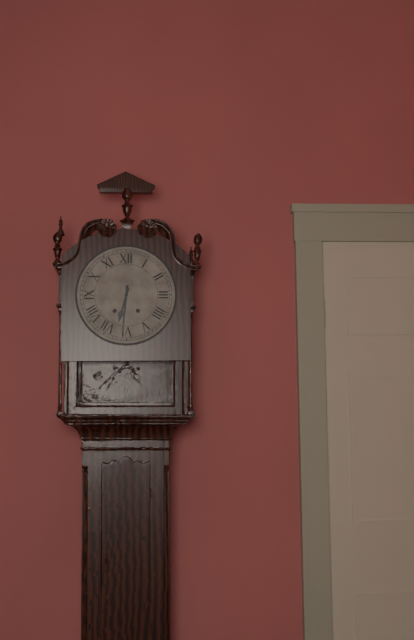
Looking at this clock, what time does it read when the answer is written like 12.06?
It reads 6.31
